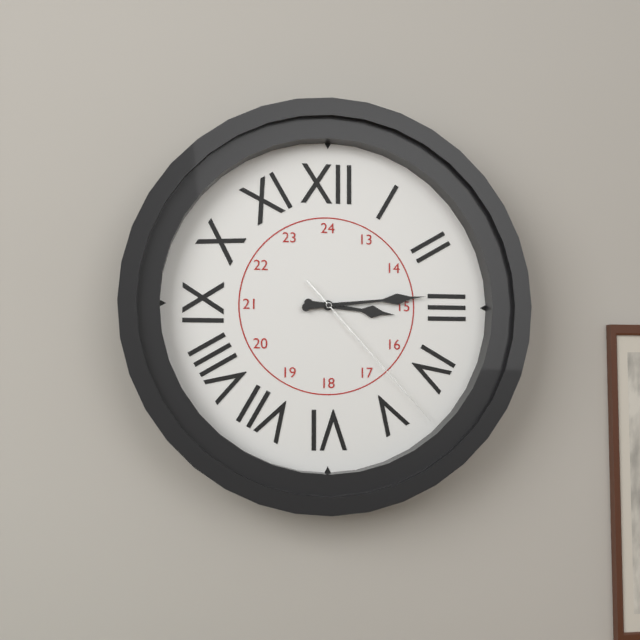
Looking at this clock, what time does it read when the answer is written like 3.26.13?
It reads 3.14.23
